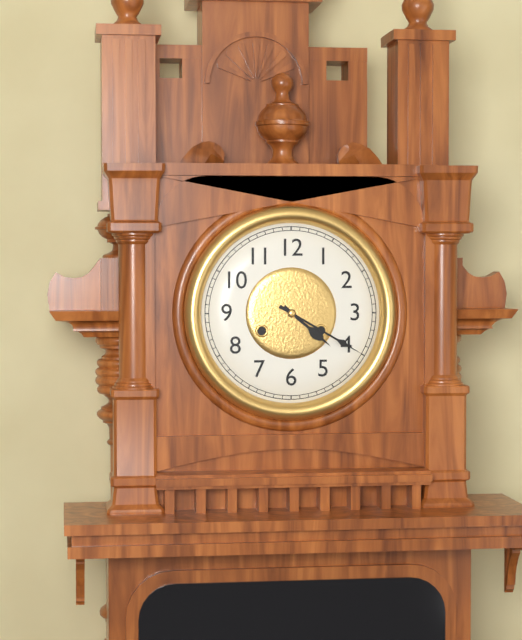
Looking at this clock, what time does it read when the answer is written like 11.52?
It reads 4.20
